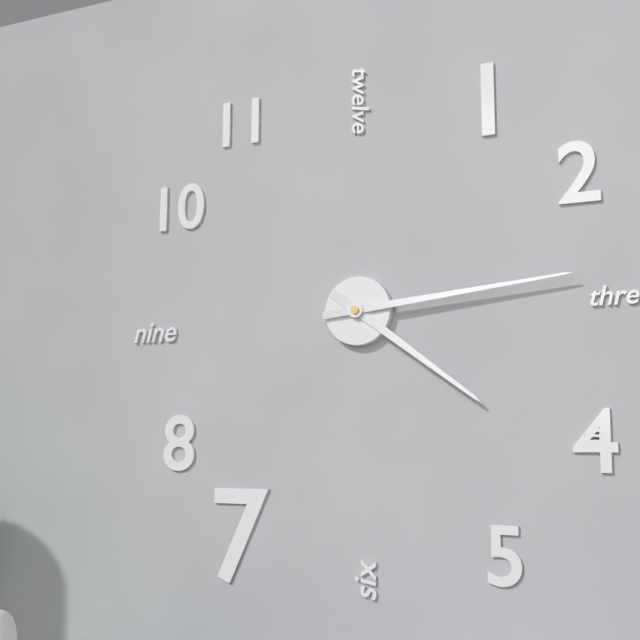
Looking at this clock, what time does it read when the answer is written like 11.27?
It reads 4.14
